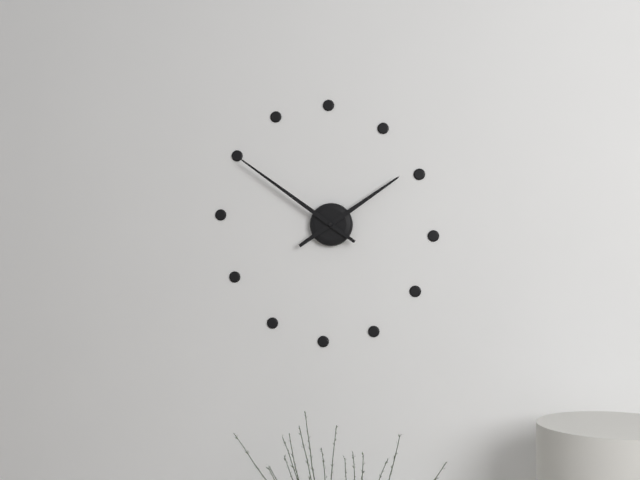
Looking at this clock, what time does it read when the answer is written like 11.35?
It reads 1.51
